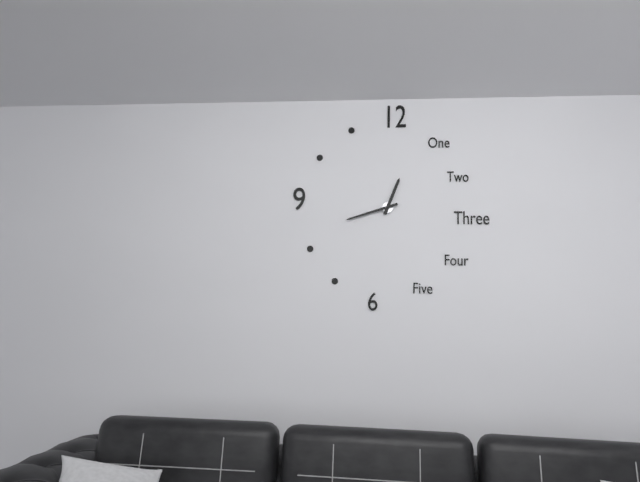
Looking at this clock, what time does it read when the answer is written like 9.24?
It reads 12.42
